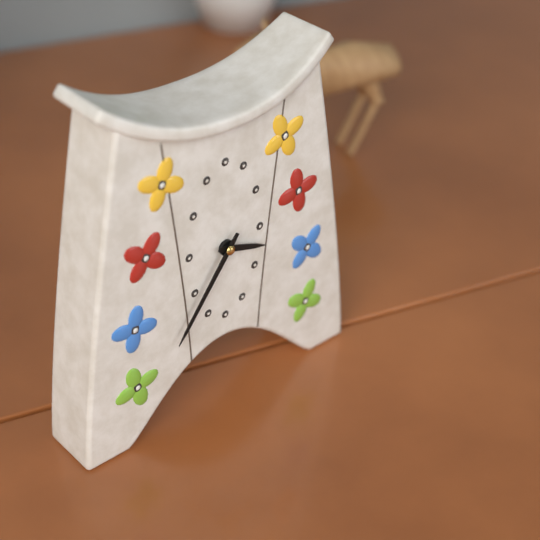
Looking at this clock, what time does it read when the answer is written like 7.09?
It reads 3.36
